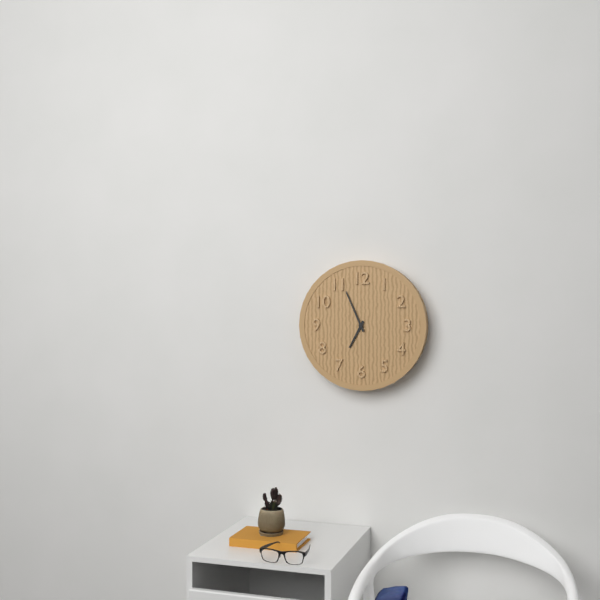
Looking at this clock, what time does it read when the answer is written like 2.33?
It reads 6.56
